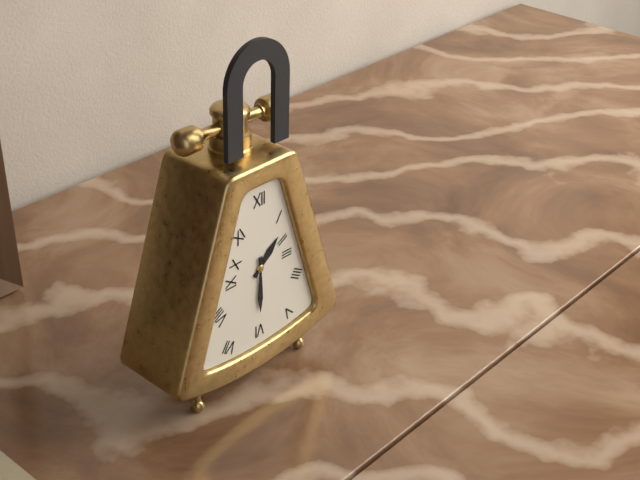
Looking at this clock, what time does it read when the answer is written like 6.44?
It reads 1.30
